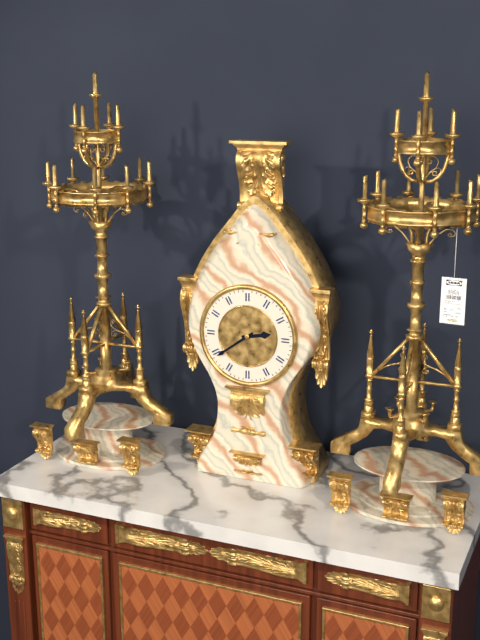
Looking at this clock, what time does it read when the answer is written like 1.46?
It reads 2.39
